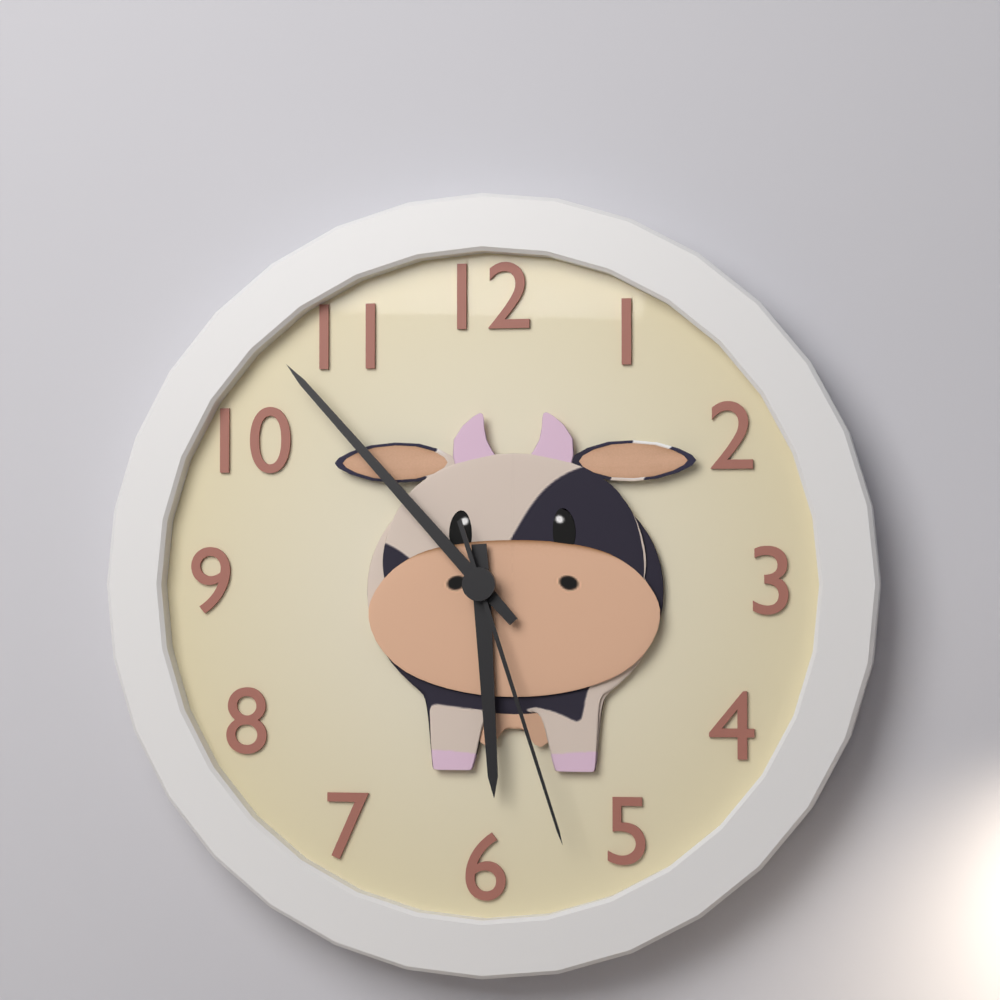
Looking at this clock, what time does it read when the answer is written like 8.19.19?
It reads 5.53.27
